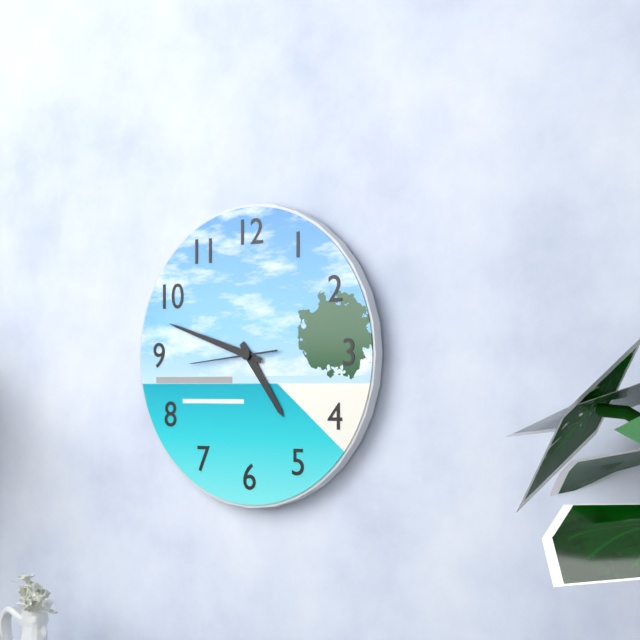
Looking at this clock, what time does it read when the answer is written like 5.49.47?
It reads 4.48.44
